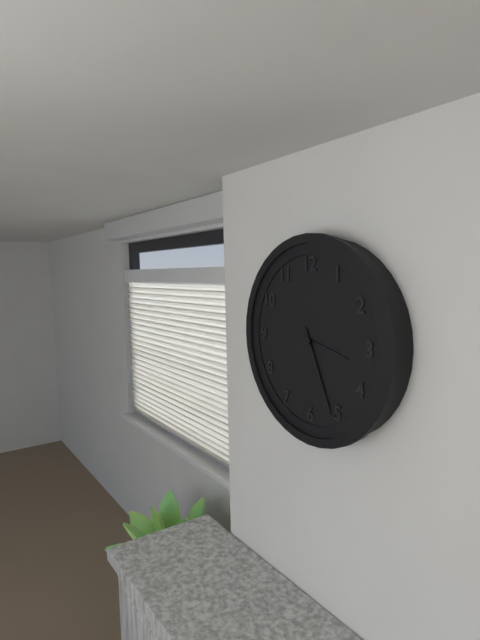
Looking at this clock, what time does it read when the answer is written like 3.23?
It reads 3.26
